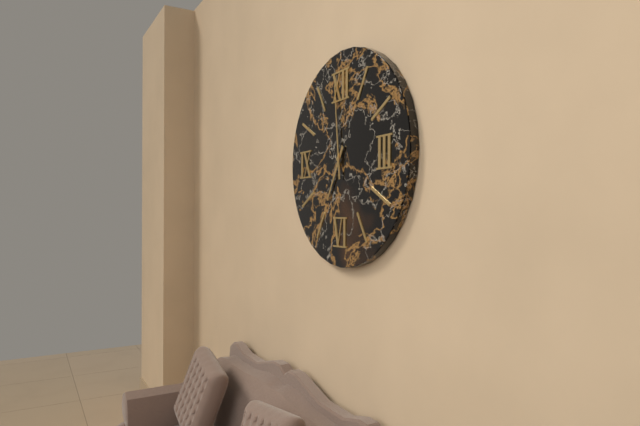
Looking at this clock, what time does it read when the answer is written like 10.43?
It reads 6.59
